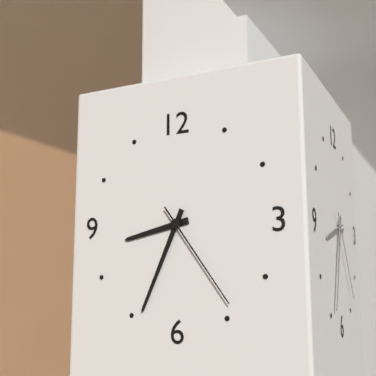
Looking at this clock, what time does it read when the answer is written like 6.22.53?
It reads 8.34.24
